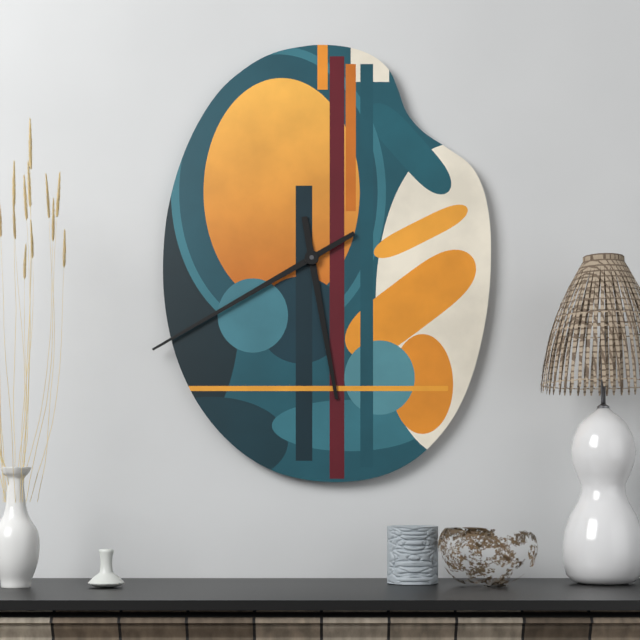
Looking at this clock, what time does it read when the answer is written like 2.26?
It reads 5.40
